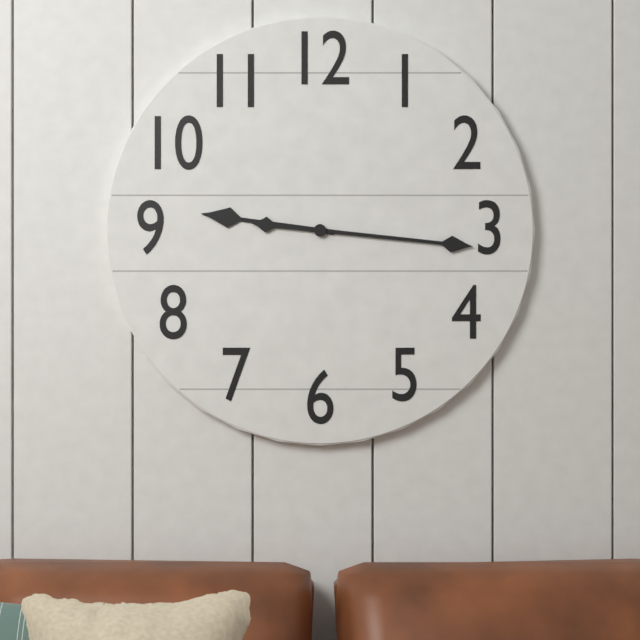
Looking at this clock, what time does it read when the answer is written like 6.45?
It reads 9.16
